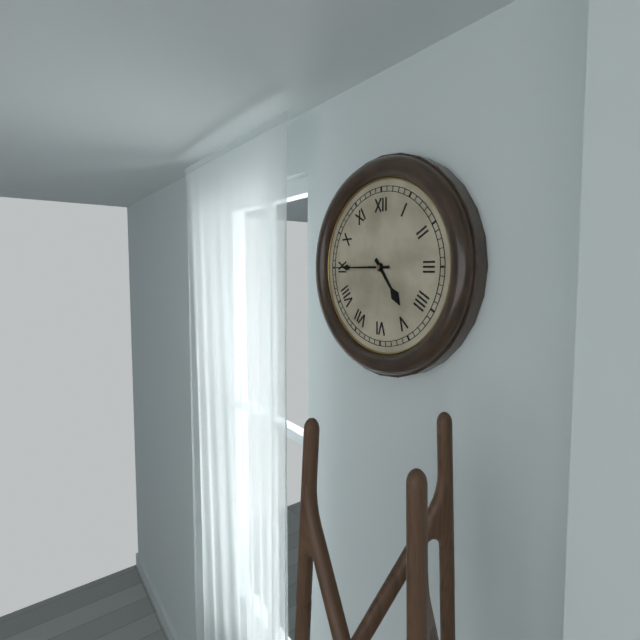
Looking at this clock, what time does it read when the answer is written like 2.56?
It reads 4.45
